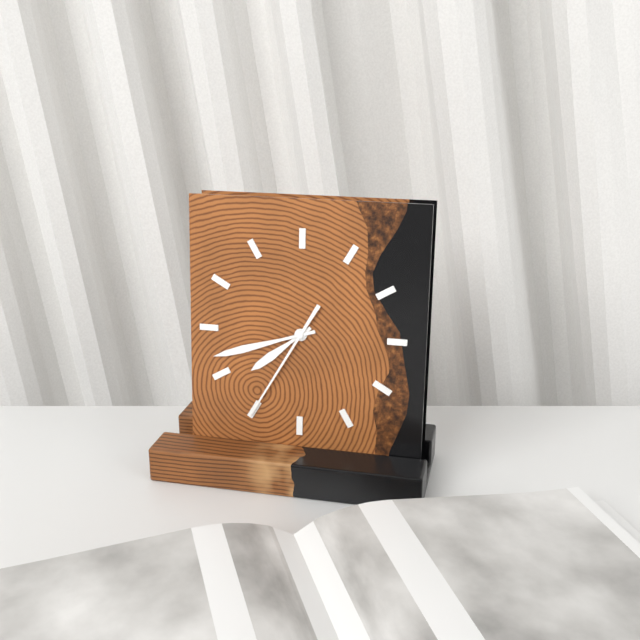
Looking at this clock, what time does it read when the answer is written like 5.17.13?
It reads 7.42.35
